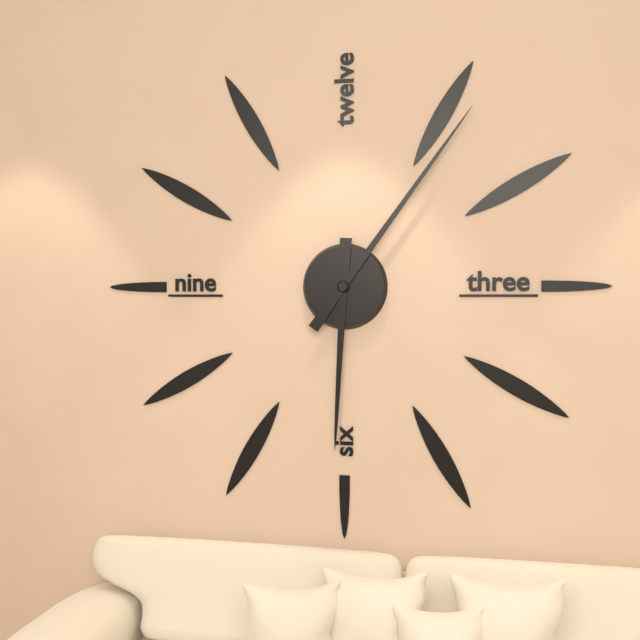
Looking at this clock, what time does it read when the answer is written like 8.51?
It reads 6.06
